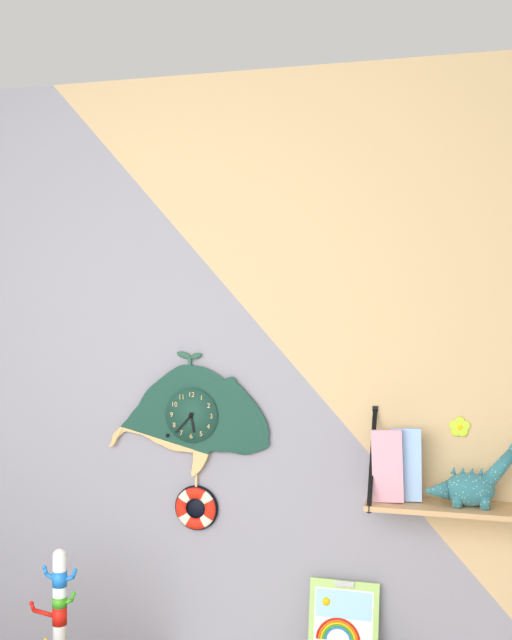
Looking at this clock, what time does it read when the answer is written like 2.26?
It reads 5.37
